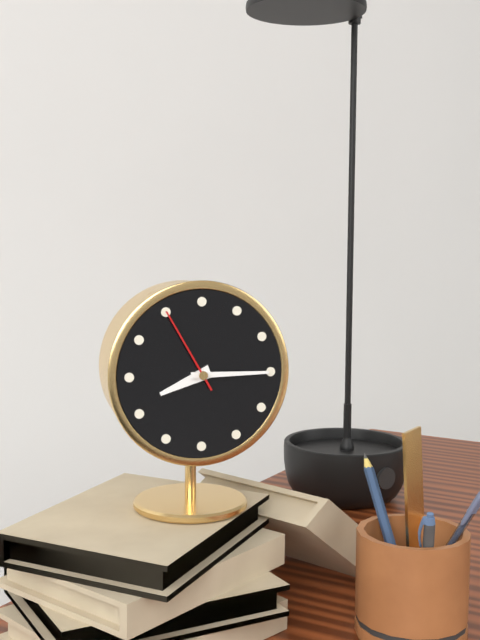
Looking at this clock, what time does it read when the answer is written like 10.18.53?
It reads 8.15.55
